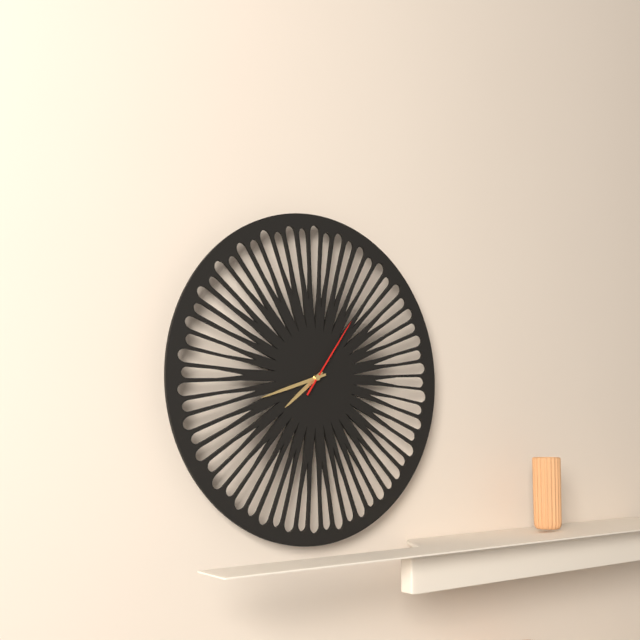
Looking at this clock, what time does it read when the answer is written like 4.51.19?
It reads 7.42.06
